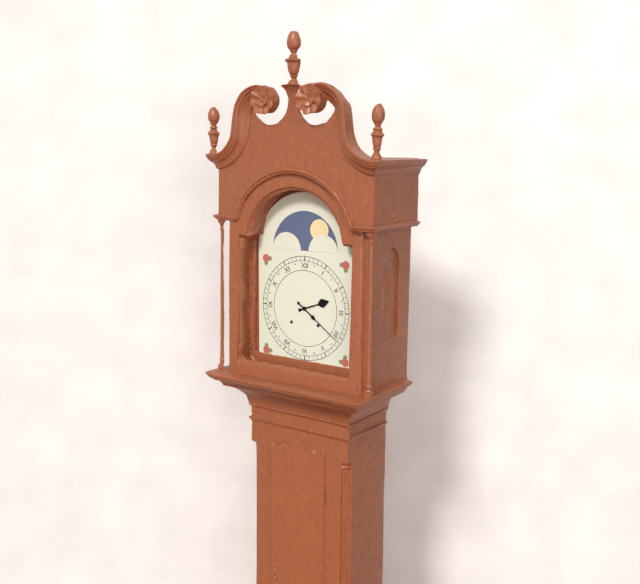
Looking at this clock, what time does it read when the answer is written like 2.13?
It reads 2.21
